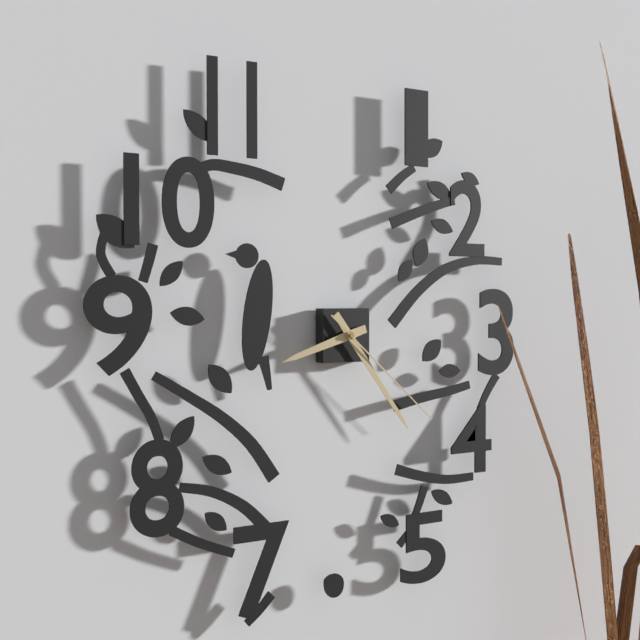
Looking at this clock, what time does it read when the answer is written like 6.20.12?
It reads 8.24.22
